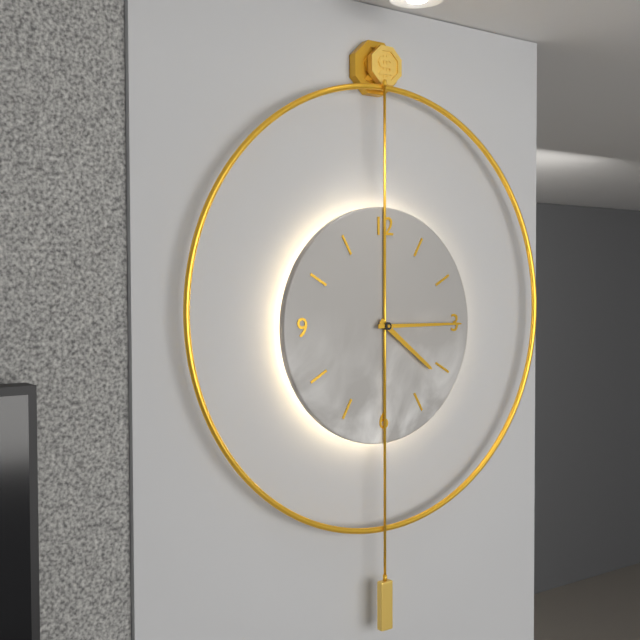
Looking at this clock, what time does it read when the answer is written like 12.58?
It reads 4.15
